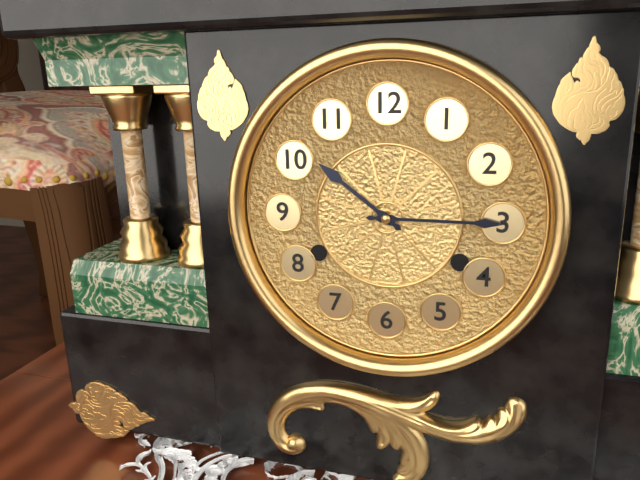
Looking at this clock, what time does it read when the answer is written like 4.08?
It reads 10.15
